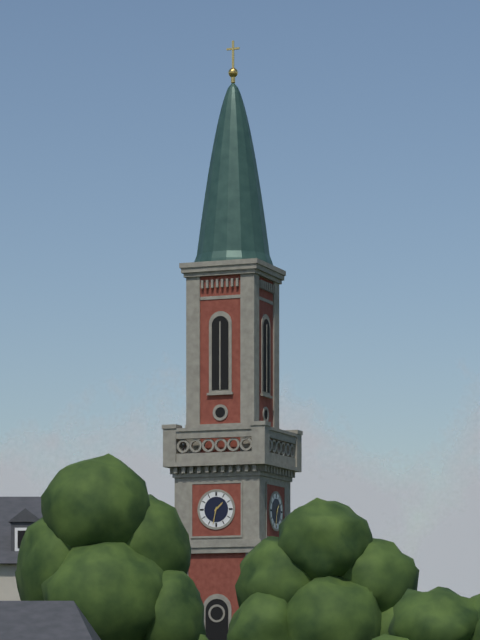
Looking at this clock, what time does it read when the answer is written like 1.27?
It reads 1.32
